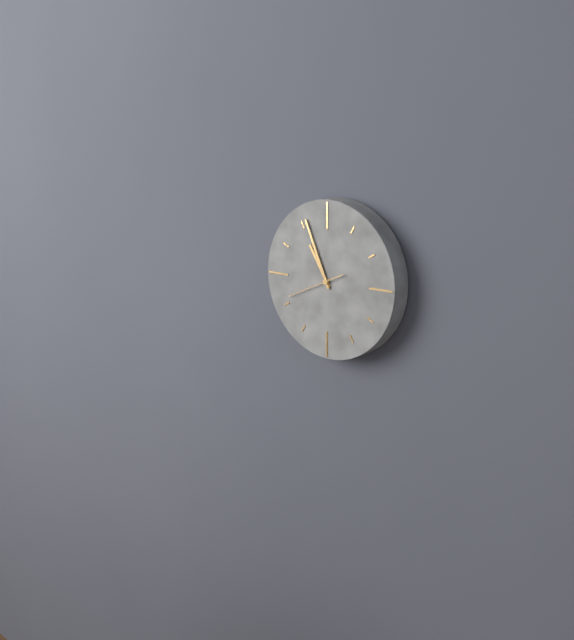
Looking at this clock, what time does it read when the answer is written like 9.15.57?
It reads 10.56.41
